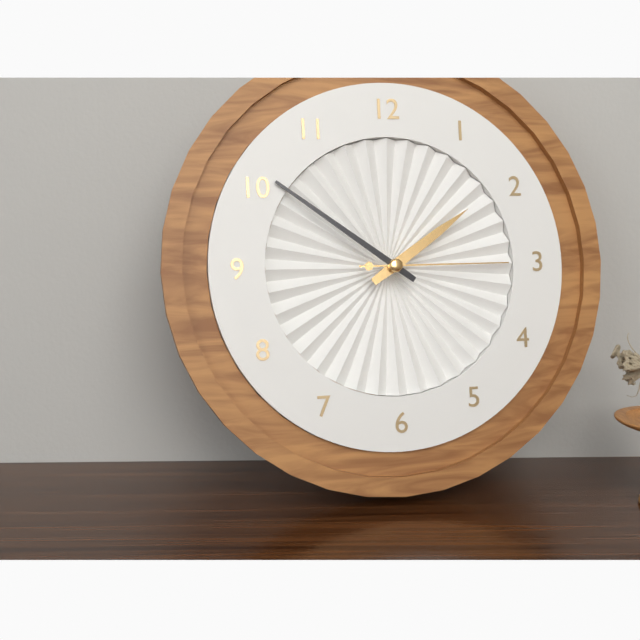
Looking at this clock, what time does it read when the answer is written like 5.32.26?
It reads 1.51.15
